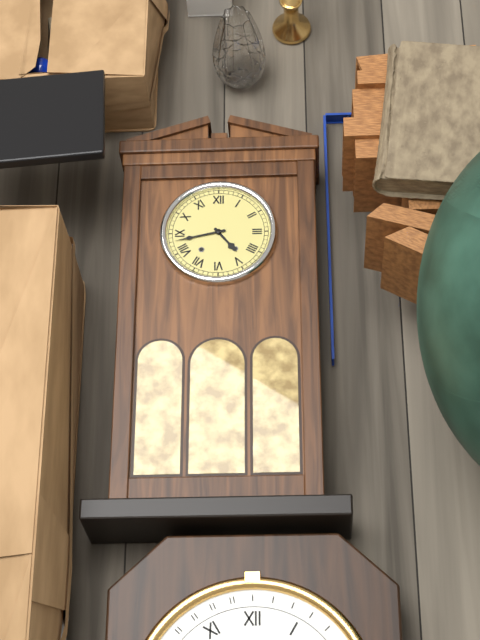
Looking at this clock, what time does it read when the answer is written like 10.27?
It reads 4.43
